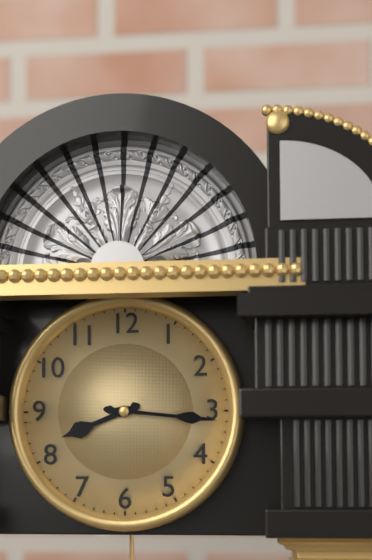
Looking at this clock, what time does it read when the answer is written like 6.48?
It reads 8.16
